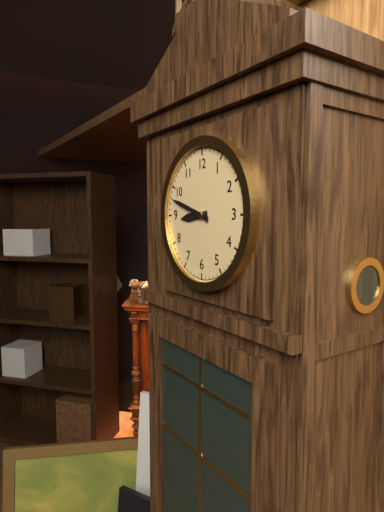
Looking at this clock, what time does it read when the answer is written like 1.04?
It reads 8.48
